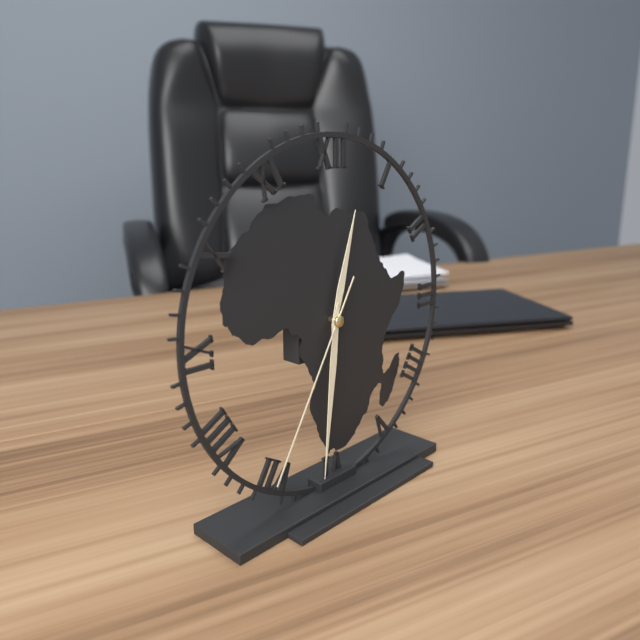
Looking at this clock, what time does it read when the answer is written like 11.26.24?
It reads 12.31.35
